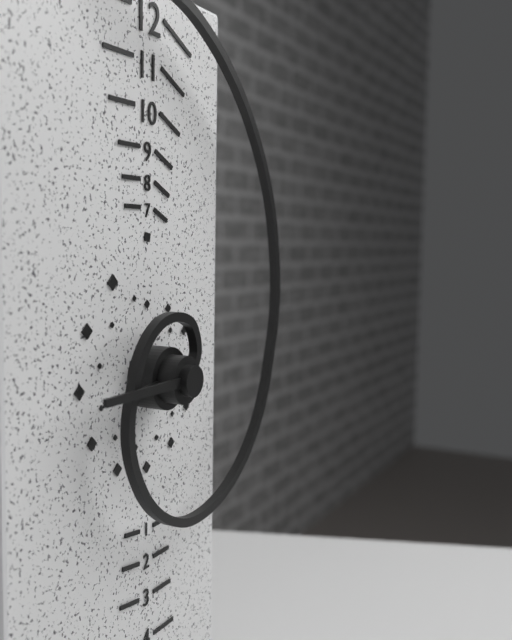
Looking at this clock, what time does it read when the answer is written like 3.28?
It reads 8.45
